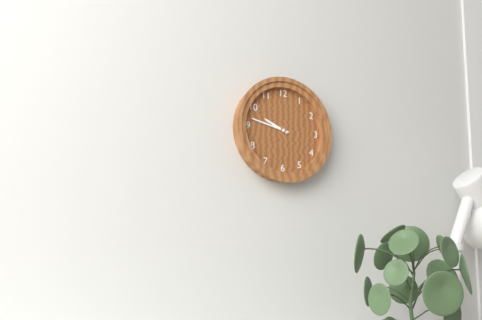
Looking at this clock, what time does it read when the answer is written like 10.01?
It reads 9.47
